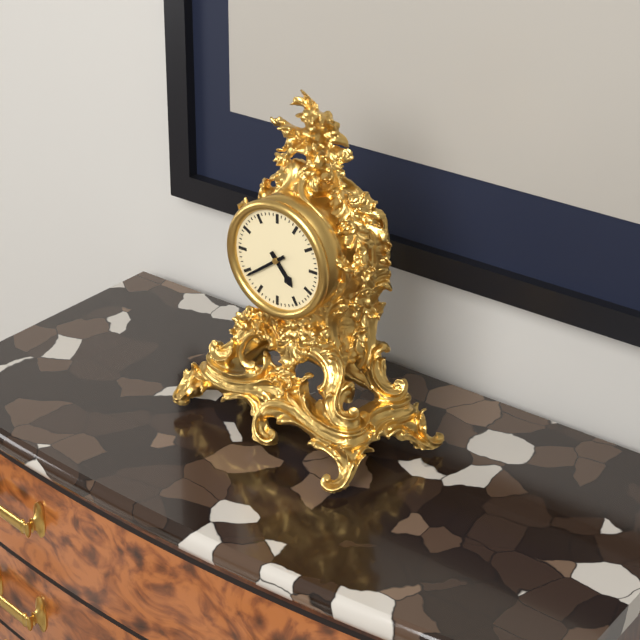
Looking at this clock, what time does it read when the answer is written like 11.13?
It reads 4.39
